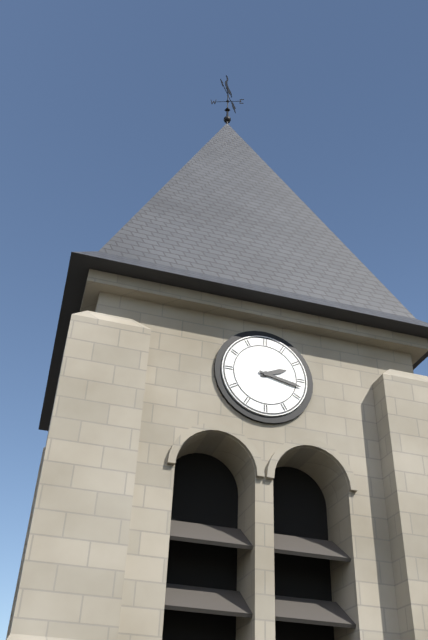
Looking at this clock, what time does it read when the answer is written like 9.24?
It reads 2.17
